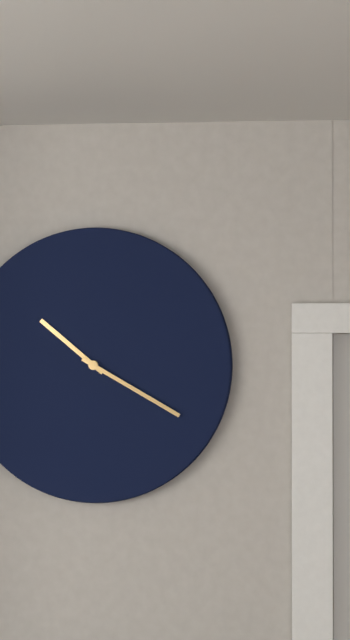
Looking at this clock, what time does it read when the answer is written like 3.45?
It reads 10.20
